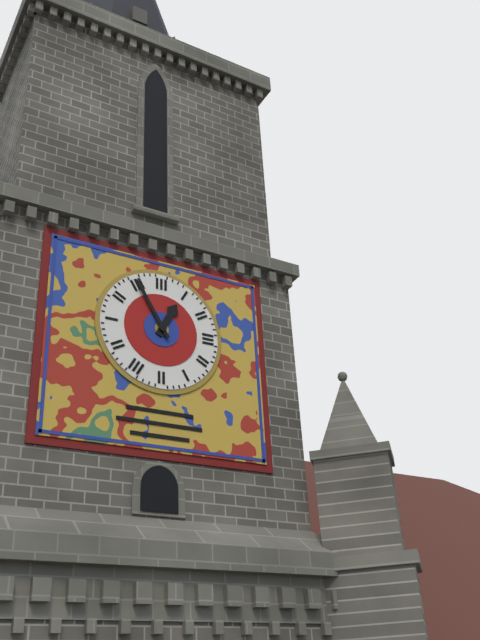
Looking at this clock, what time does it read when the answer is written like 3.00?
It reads 12.55
